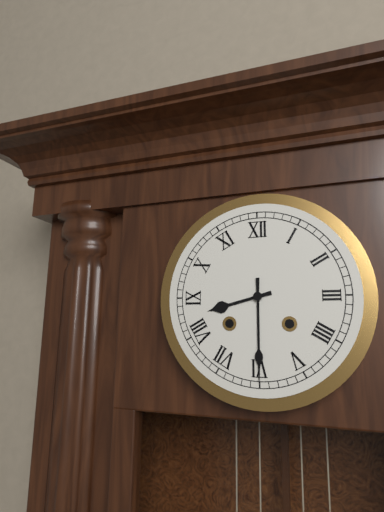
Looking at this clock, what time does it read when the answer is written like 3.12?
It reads 8.30
